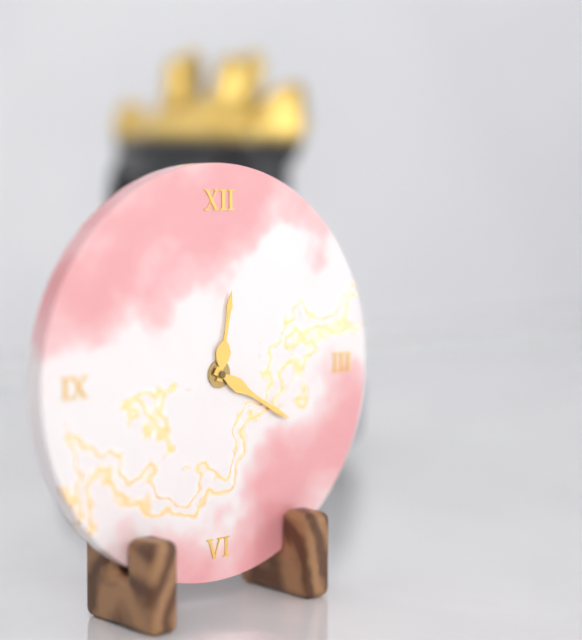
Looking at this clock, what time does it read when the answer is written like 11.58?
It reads 12.20
